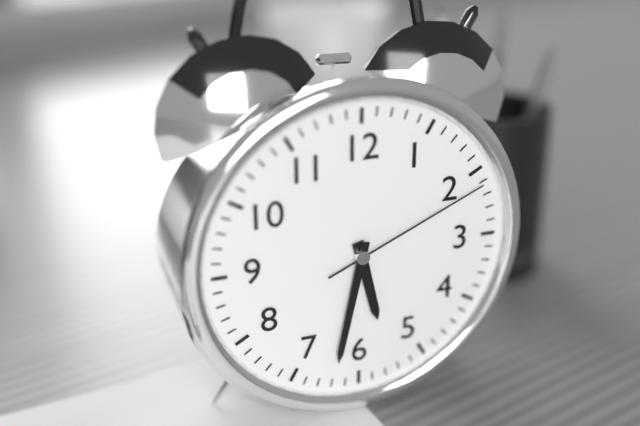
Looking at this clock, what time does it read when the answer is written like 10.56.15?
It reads 5.32.11
